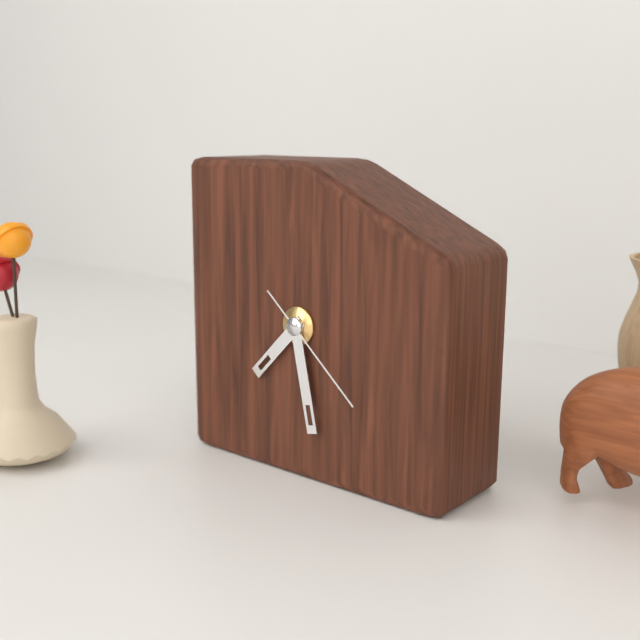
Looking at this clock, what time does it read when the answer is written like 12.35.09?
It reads 7.28.22
